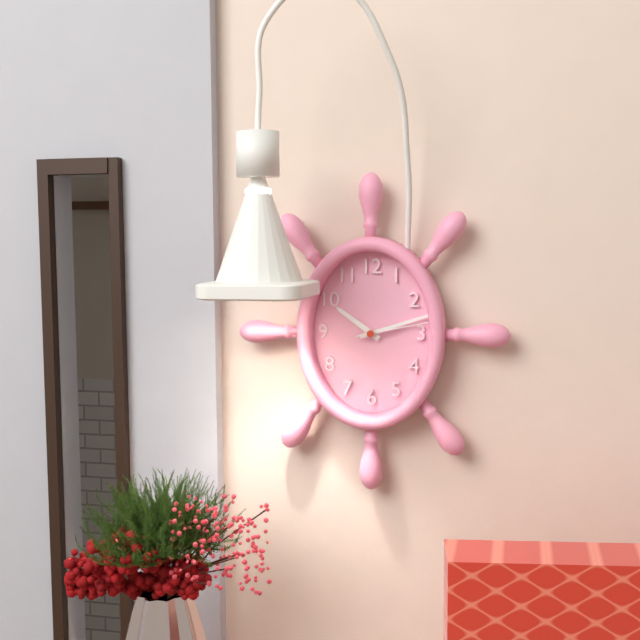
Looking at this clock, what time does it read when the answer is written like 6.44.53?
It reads 10.12.13
